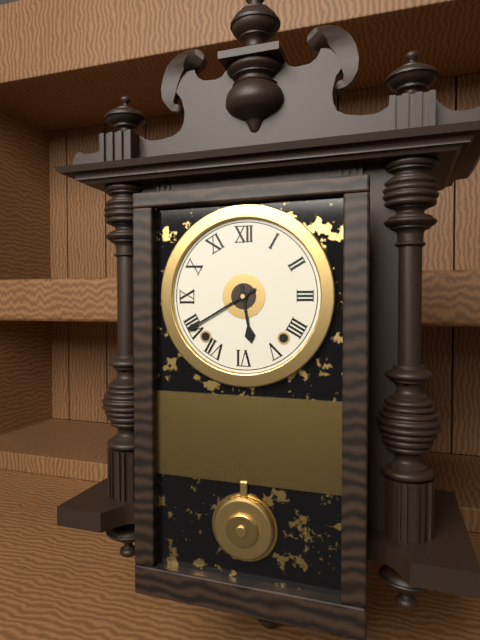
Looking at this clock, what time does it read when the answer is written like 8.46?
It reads 5.40
